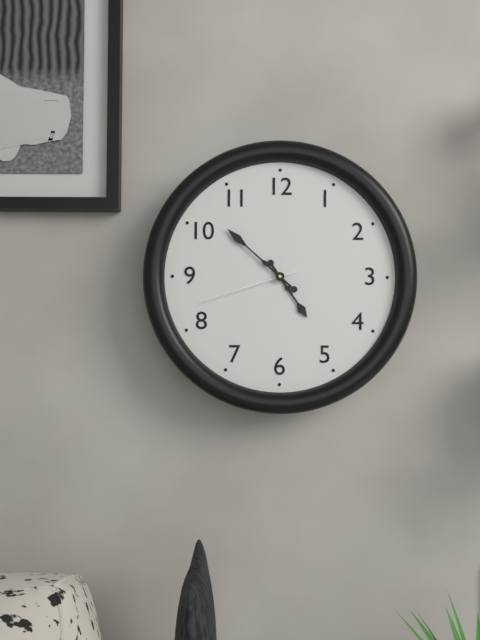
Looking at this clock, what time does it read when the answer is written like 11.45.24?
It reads 4.52.42
